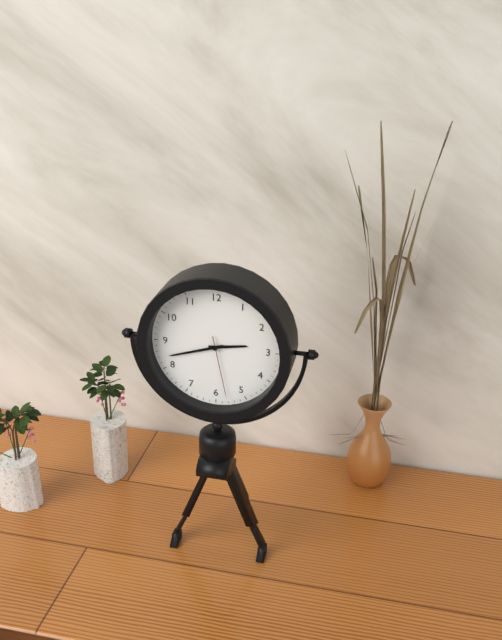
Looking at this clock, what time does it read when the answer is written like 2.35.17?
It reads 2.42.28
